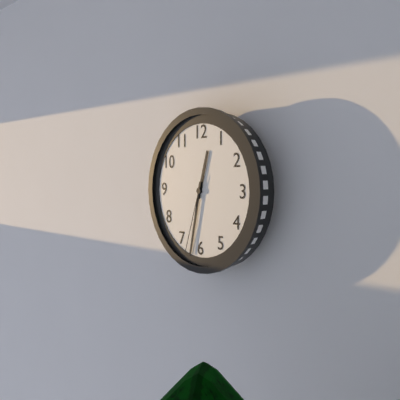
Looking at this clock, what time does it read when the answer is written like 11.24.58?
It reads 12.32.33
